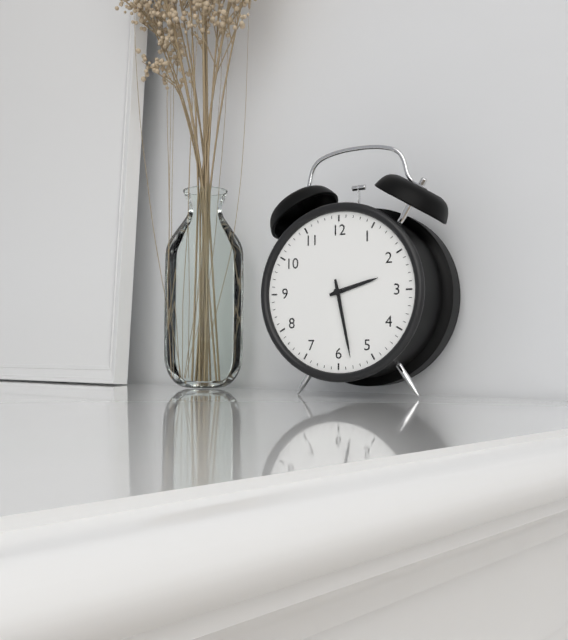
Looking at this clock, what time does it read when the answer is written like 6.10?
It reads 2.28
